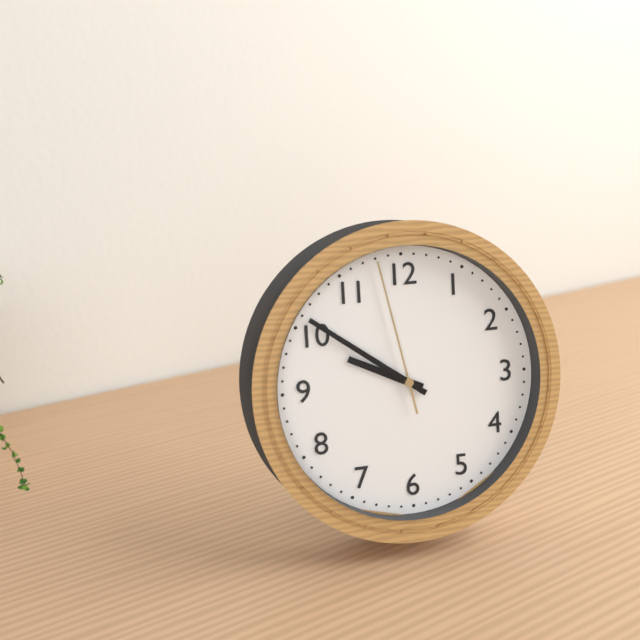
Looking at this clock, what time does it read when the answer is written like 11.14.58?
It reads 9.51.58
